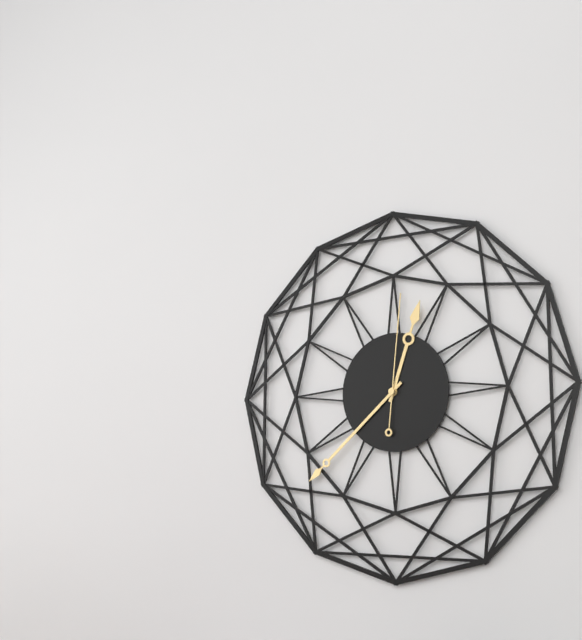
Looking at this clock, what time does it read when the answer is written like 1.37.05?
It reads 12.38.01
